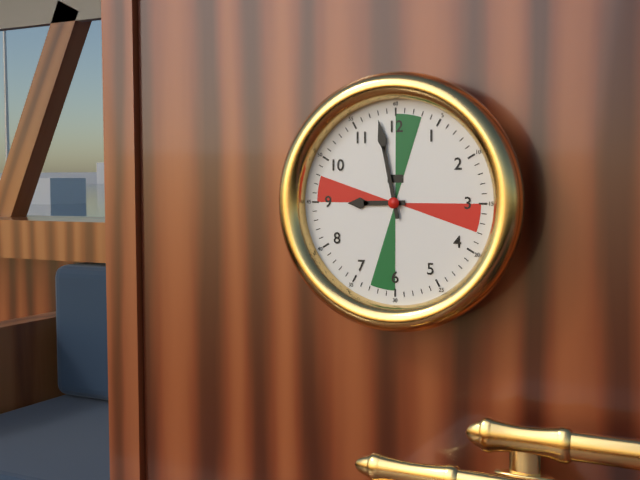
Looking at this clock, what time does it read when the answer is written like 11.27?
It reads 8.58
